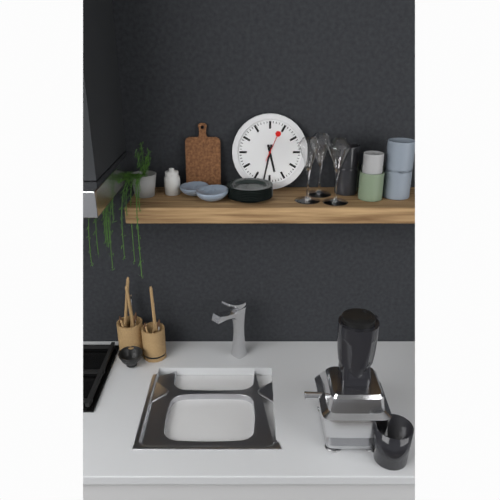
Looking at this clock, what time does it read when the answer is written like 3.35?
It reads 5.32
